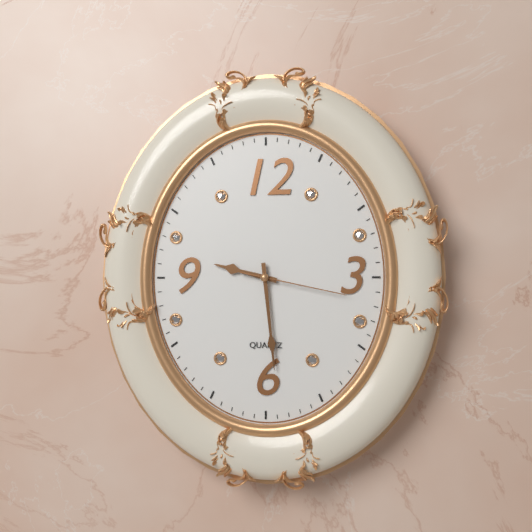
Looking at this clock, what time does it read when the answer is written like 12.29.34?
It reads 9.29.17
